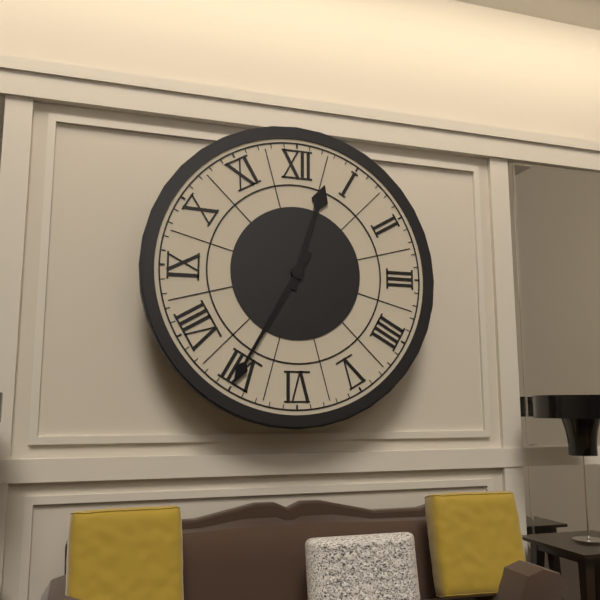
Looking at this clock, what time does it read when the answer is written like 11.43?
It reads 12.35
